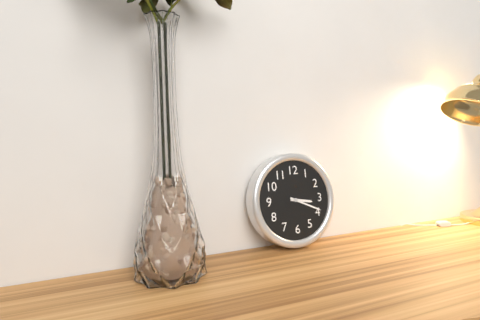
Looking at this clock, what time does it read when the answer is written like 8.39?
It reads 3.19
